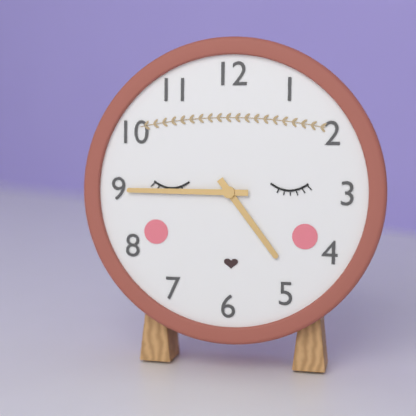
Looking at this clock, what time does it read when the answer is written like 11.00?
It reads 4.45
